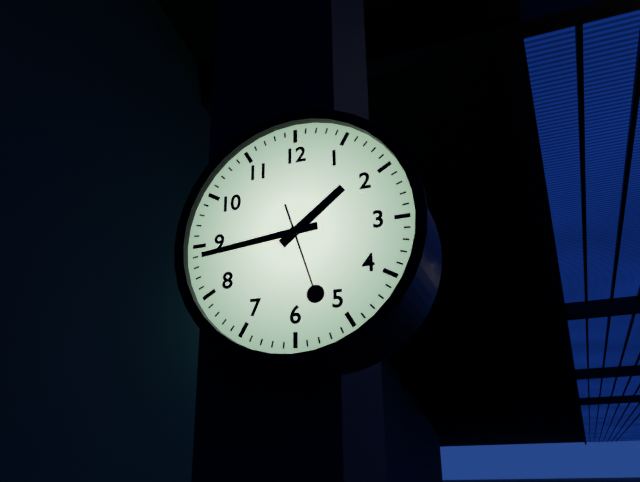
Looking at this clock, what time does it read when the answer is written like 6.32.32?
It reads 1.44.27
